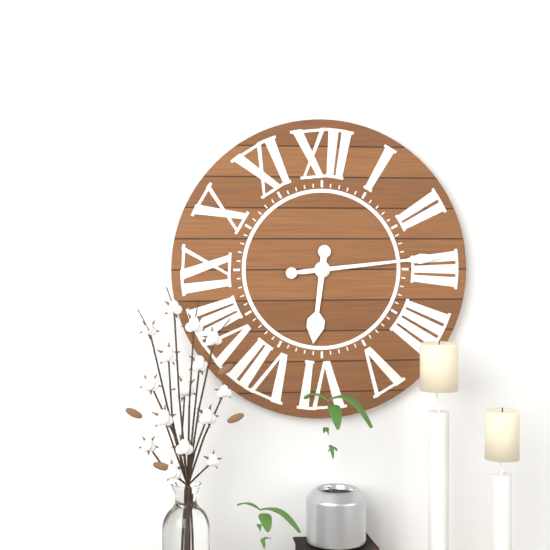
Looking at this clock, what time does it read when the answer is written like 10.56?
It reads 6.14
